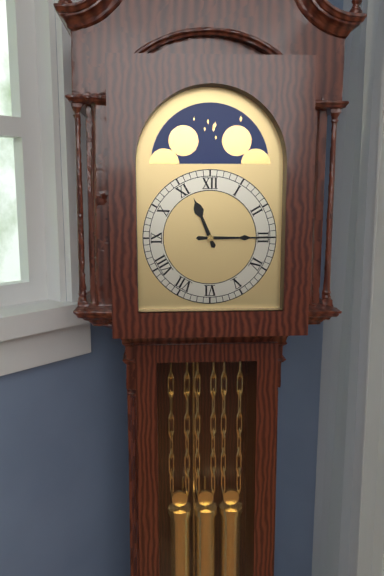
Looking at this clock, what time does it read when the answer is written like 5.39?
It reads 11.15
